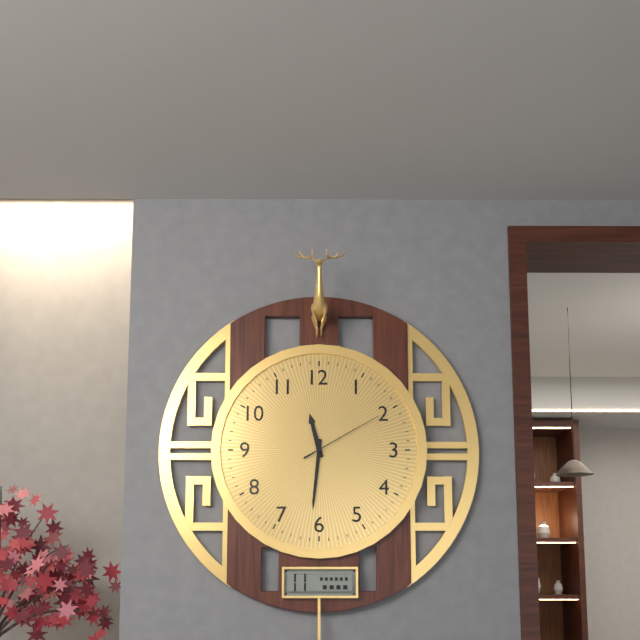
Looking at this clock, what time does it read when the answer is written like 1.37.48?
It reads 11.31.10
